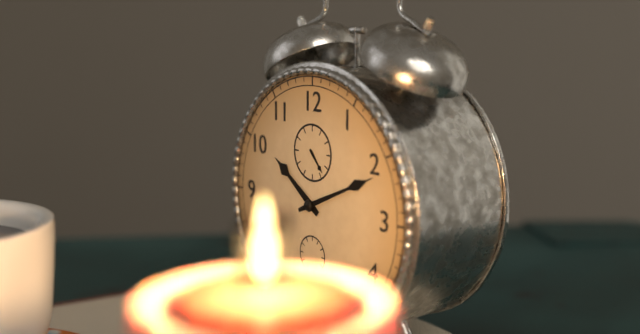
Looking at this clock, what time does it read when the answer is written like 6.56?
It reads 10.11
